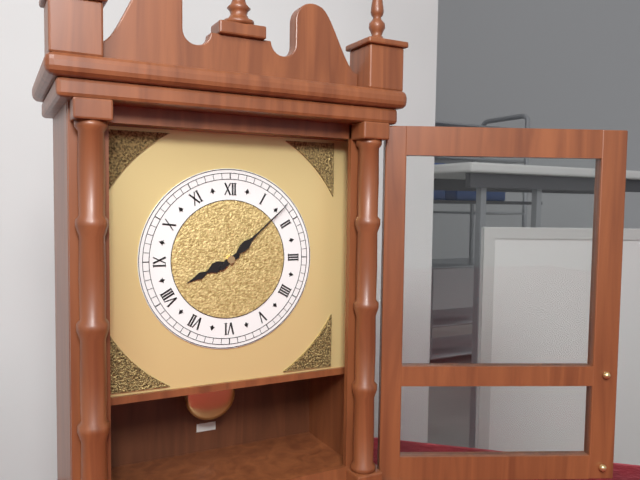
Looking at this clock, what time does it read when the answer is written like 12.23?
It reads 8.08
